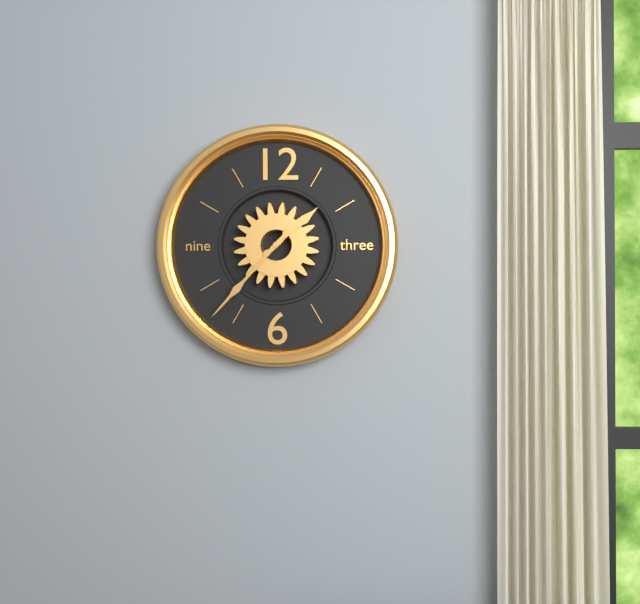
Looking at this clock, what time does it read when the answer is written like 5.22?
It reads 1.37
